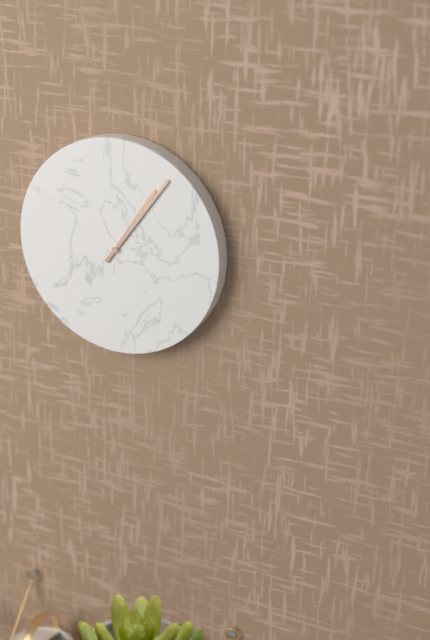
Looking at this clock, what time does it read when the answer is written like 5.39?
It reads 1.06
